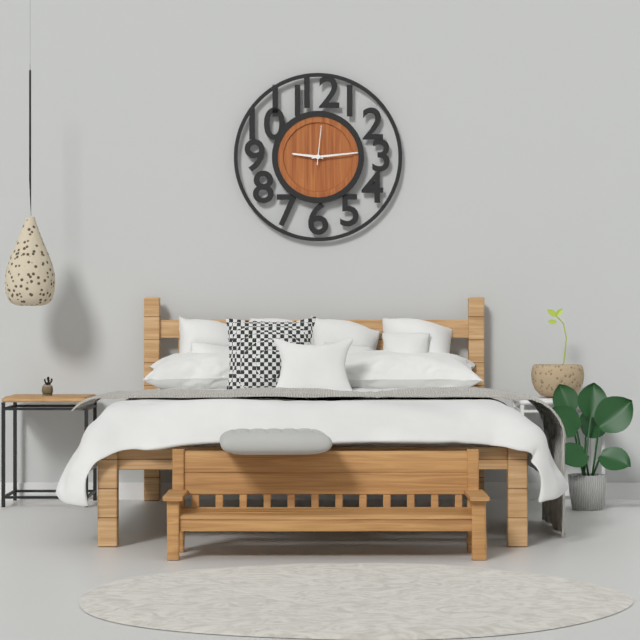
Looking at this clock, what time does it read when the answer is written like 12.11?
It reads 9.14
